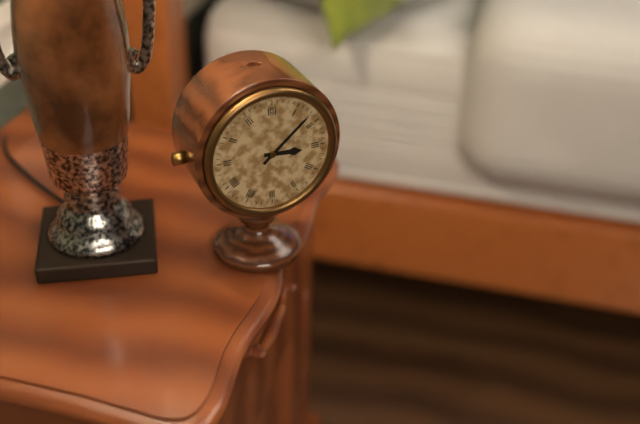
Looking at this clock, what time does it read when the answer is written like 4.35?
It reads 3.08
